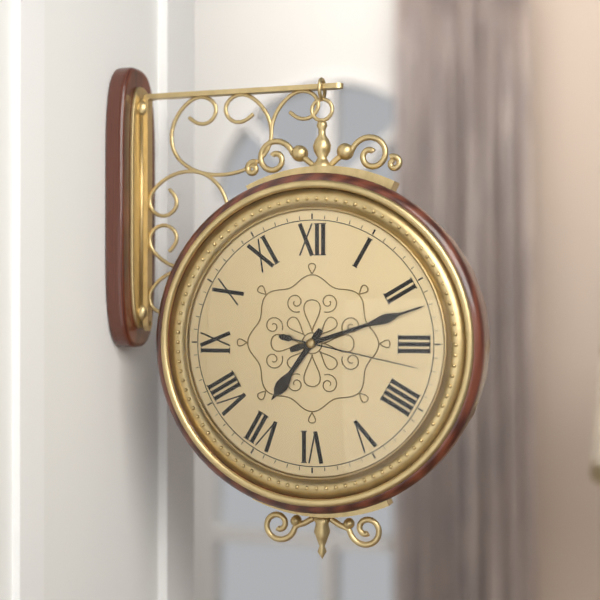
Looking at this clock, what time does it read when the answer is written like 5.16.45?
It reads 7.12.17
